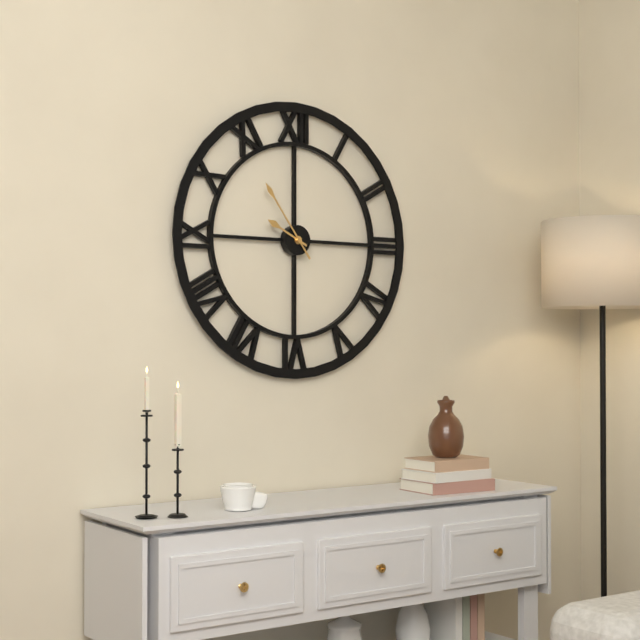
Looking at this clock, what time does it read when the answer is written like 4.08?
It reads 9.54
